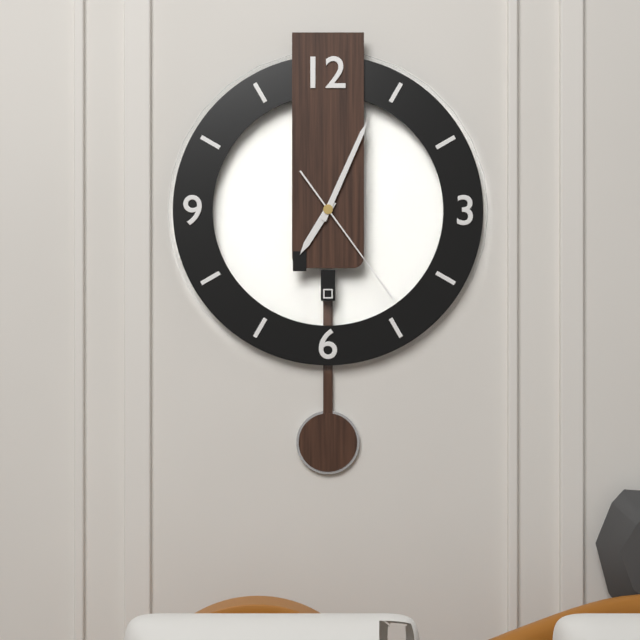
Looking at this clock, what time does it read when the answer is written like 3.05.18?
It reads 7.04.24
